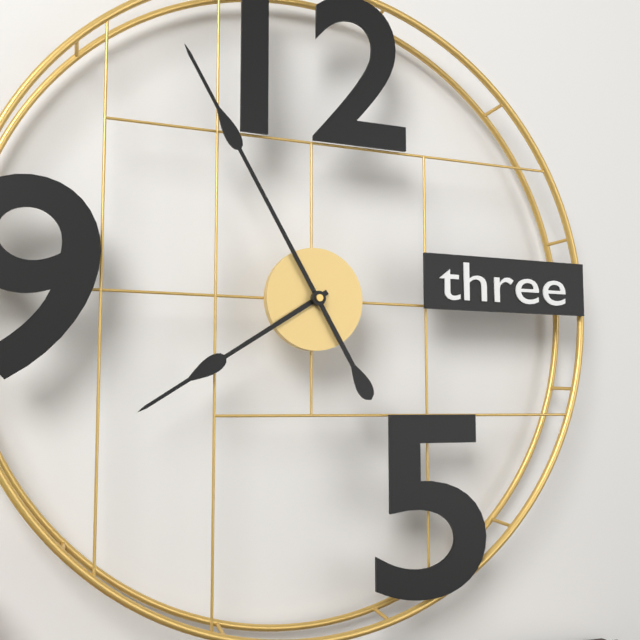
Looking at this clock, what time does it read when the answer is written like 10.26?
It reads 7.55
